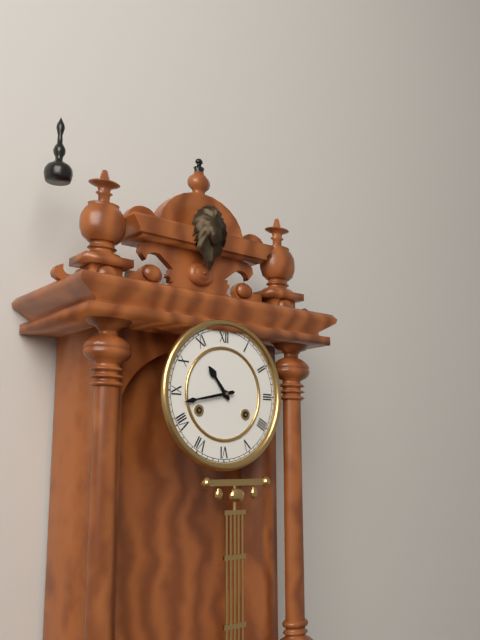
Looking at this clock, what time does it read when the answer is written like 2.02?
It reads 10.43
